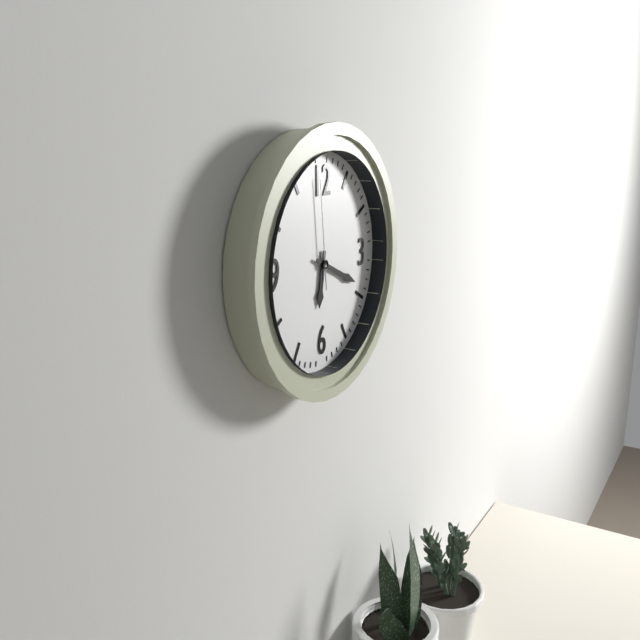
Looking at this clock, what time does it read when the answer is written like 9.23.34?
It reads 6.19.59
